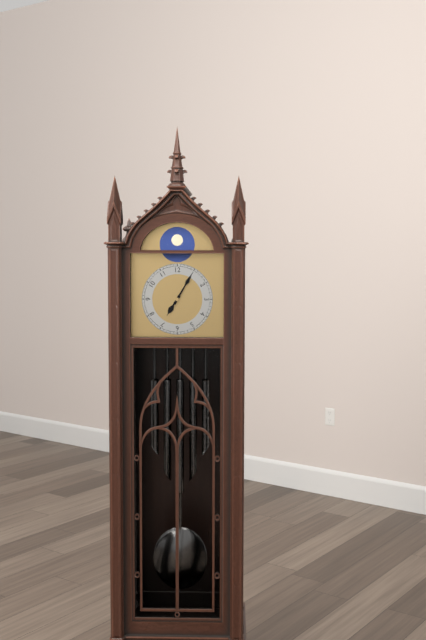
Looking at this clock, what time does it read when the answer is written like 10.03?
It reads 7.05
